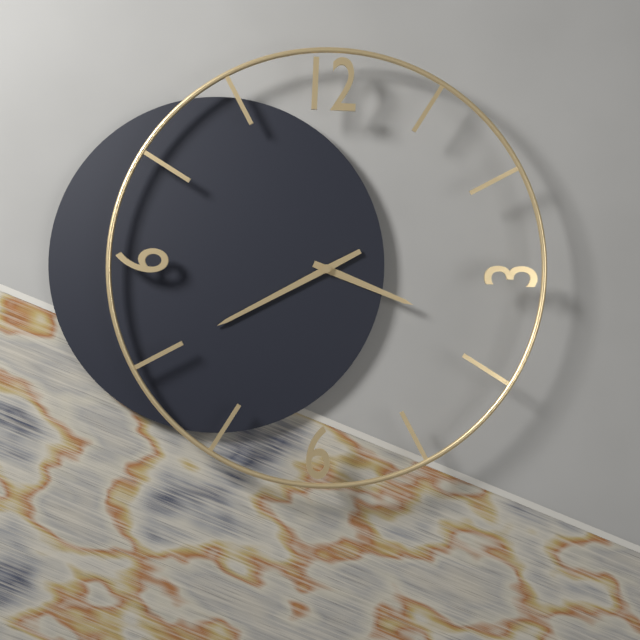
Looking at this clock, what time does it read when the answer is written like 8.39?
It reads 3.40
